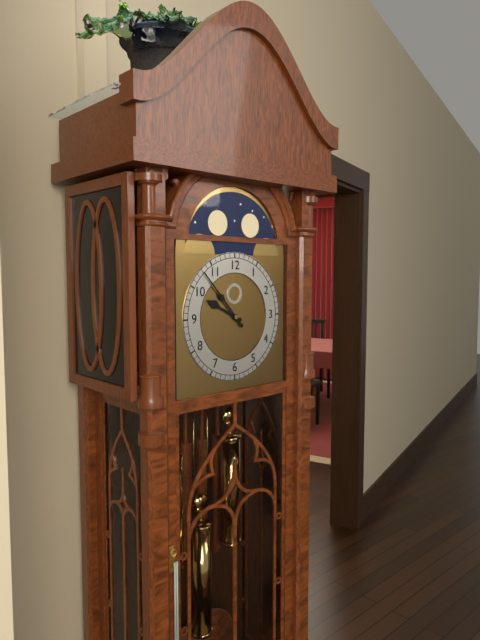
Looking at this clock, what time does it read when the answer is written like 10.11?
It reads 9.53
